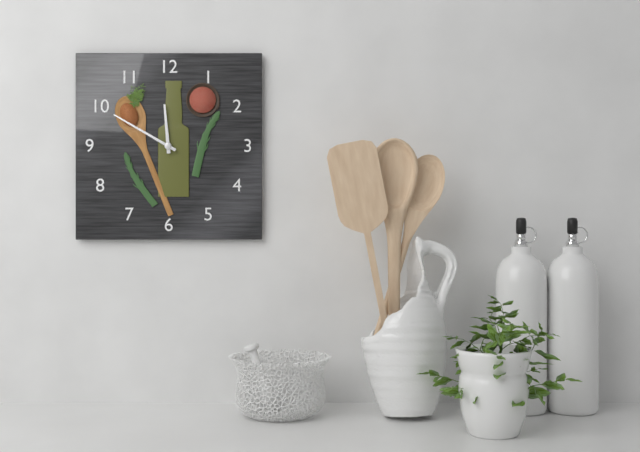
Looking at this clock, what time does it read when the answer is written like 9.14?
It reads 11.50
